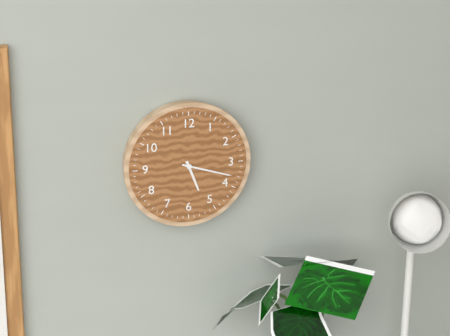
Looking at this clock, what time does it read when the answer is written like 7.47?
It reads 5.18
